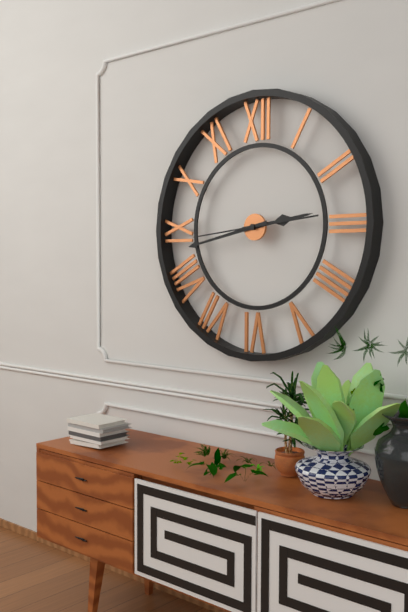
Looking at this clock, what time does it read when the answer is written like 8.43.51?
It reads 2.43.44
